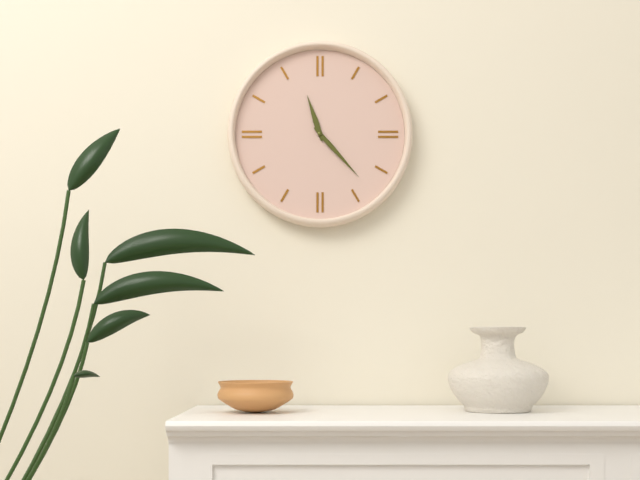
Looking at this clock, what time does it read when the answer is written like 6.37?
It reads 11.23
